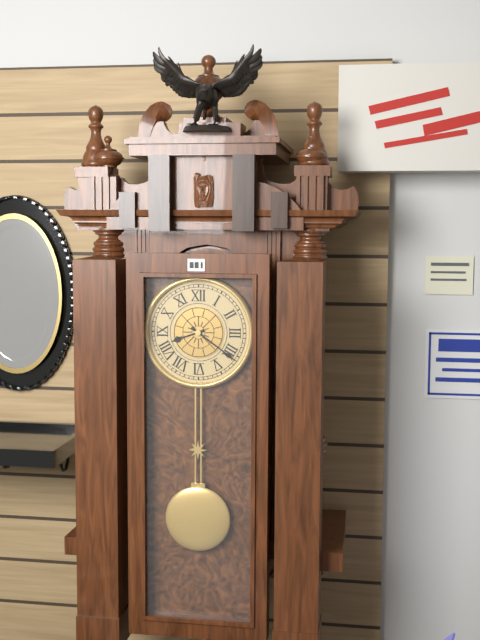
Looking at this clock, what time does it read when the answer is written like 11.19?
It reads 8.21
